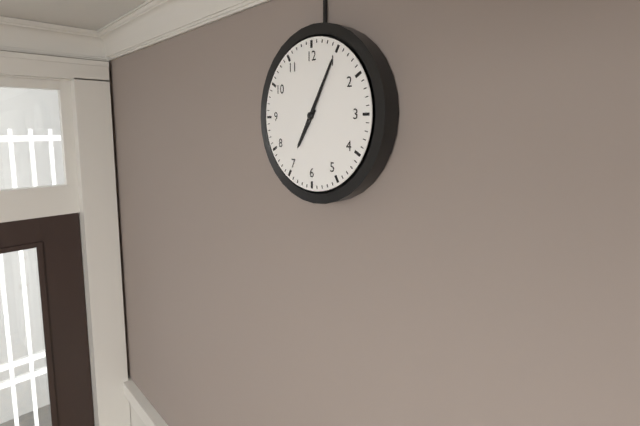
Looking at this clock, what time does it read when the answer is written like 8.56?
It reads 7.05
